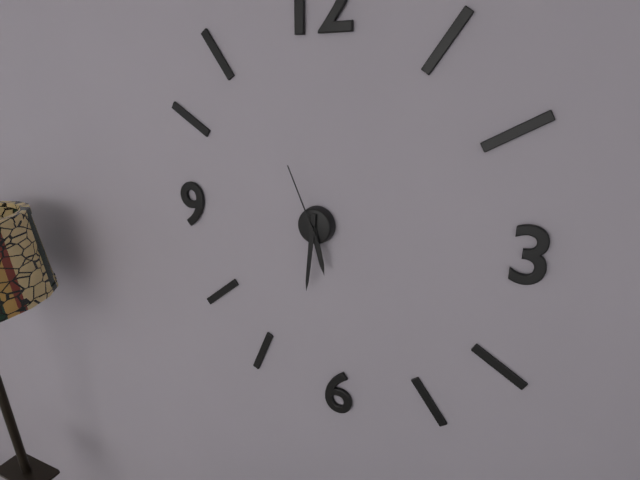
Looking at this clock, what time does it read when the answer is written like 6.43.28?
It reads 5.31.56
